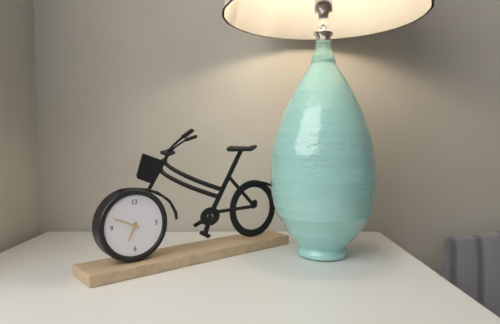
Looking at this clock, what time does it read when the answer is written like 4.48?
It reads 6.49
